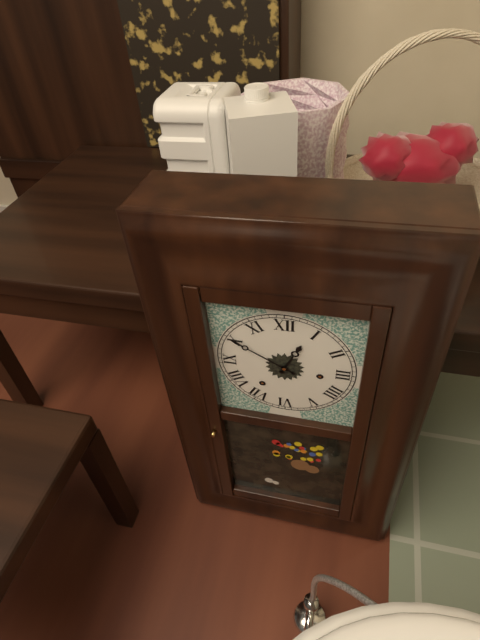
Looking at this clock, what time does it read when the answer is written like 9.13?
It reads 12.50
